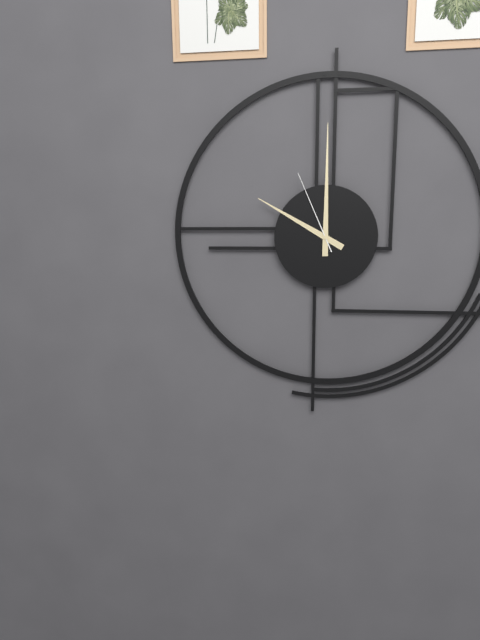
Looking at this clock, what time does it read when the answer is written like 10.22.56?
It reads 10.00.56
